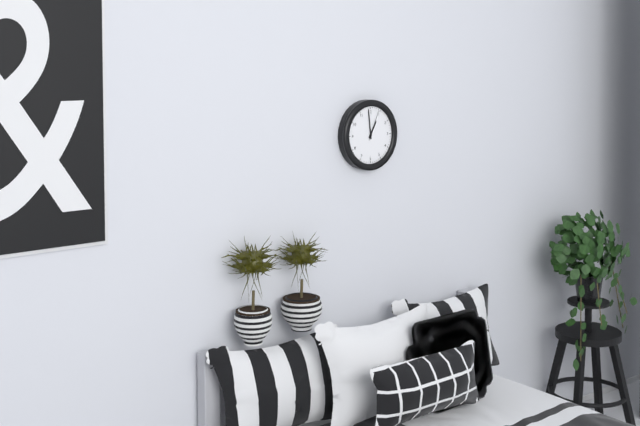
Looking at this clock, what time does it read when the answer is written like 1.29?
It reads 12.59
